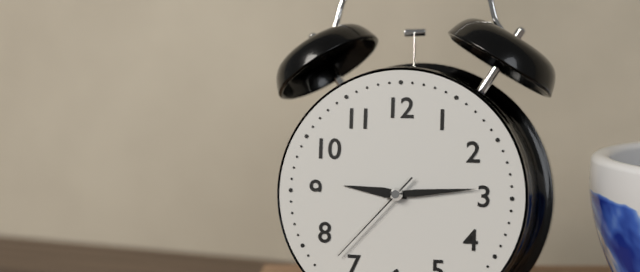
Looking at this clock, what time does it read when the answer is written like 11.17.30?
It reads 9.14.37
